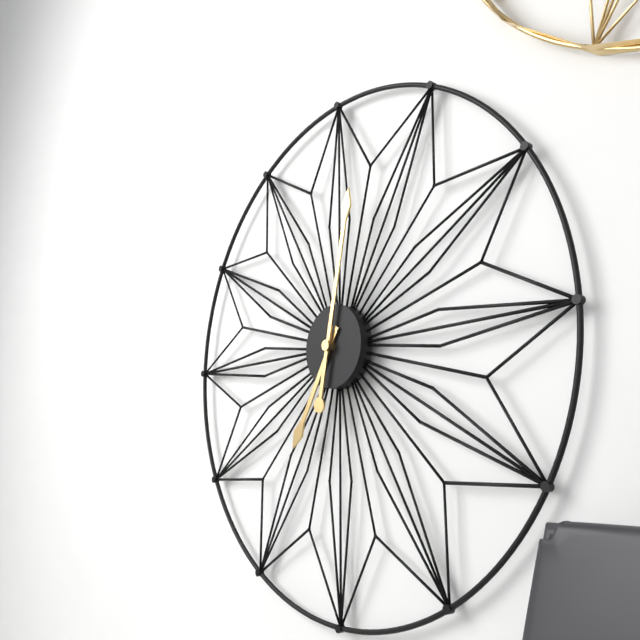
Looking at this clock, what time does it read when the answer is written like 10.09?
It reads 7.02
